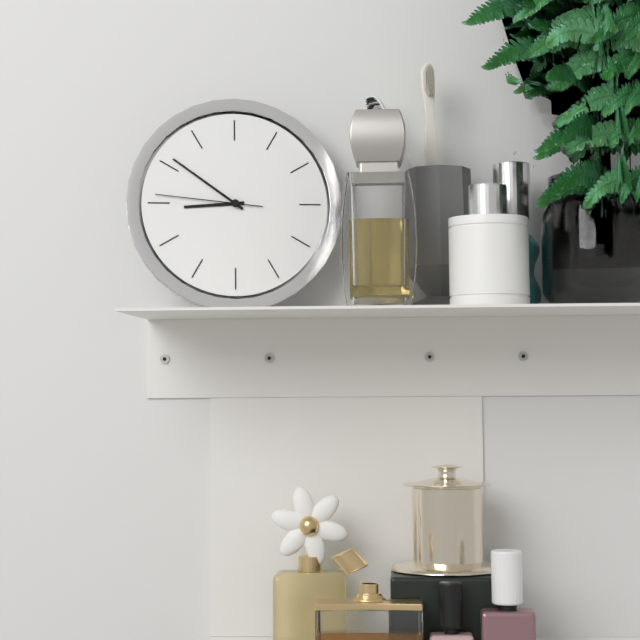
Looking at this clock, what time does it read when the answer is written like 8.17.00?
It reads 8.51.46
